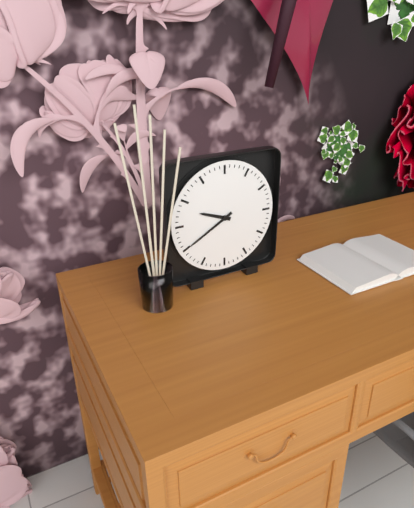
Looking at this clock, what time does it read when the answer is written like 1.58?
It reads 9.40
